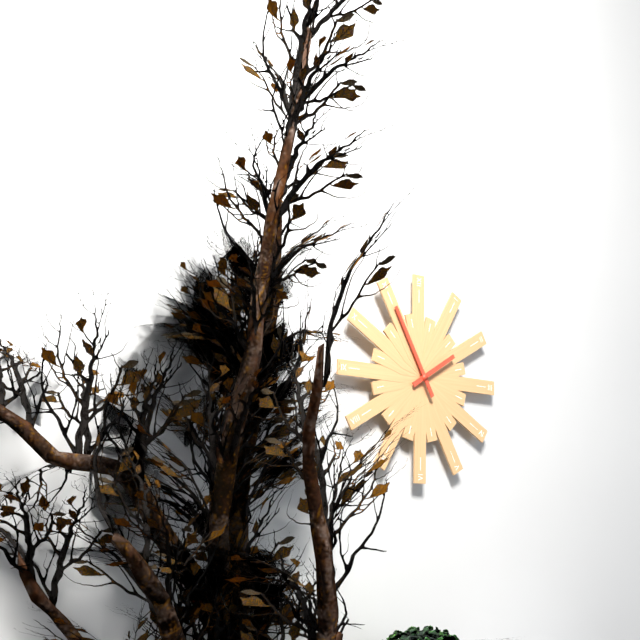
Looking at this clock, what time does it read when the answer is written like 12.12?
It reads 1.55
